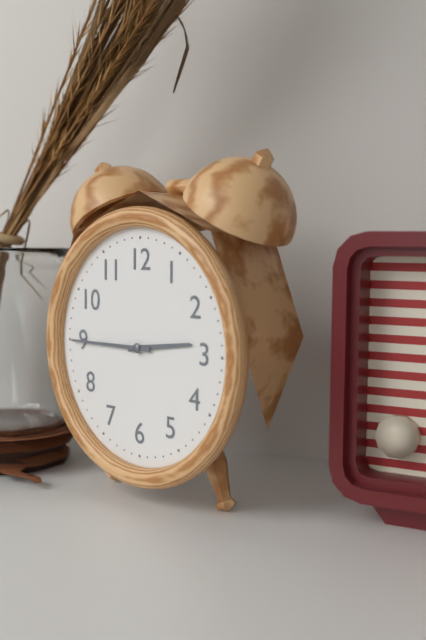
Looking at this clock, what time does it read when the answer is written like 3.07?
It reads 2.45
